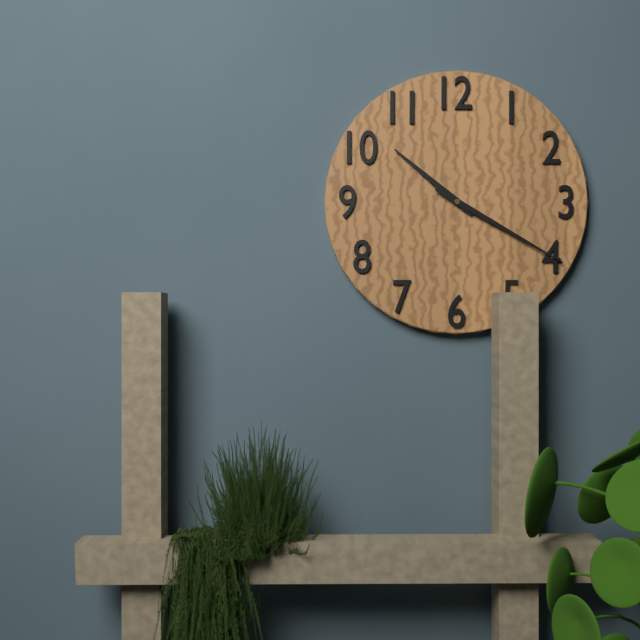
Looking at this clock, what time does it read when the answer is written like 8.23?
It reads 10.20
